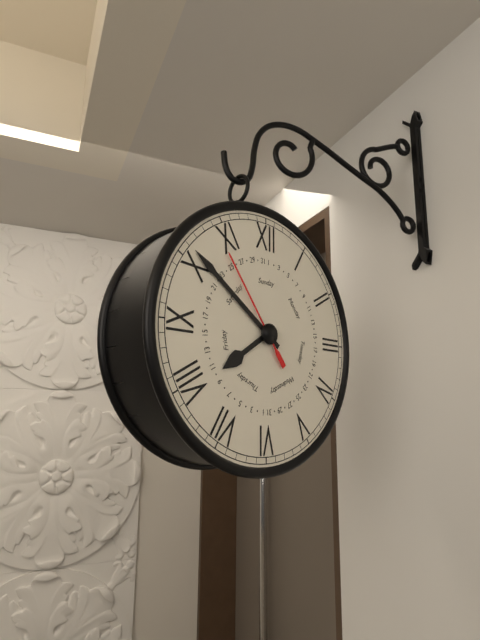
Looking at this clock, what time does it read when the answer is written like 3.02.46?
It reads 7.51.54
